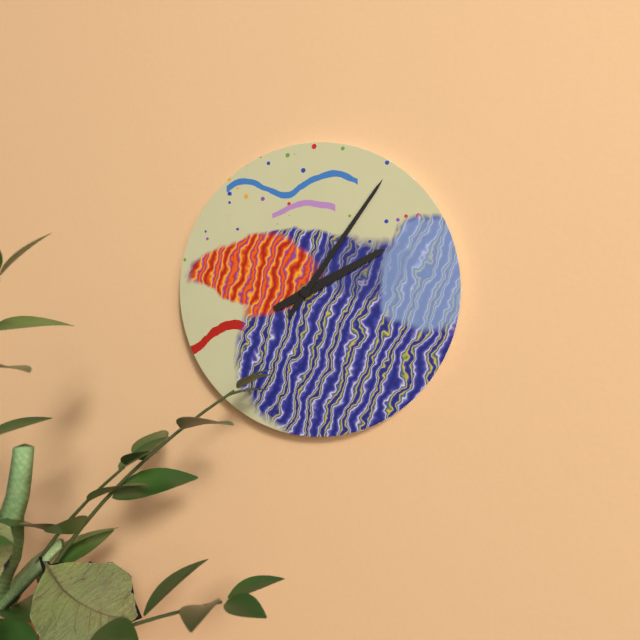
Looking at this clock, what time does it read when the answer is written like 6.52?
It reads 2.06
